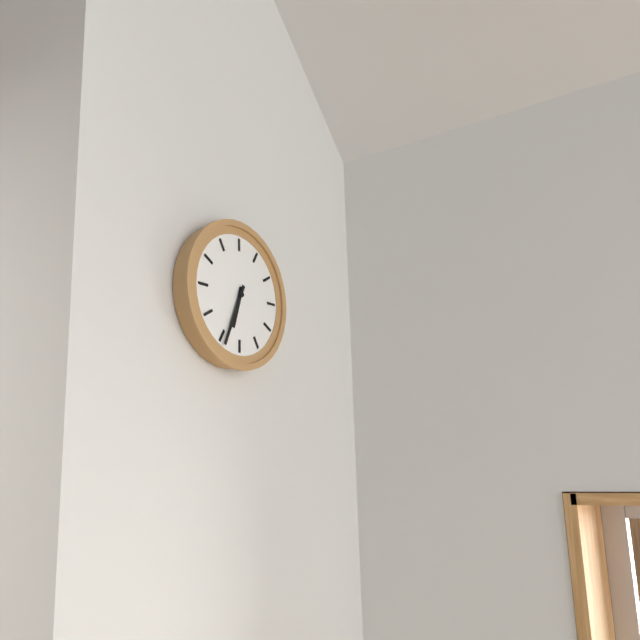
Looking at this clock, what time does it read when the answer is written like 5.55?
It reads 6.34
